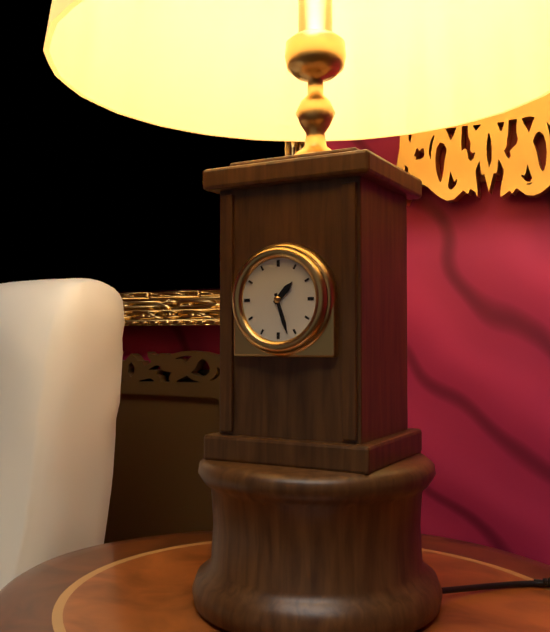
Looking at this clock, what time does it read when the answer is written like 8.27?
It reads 1.27
